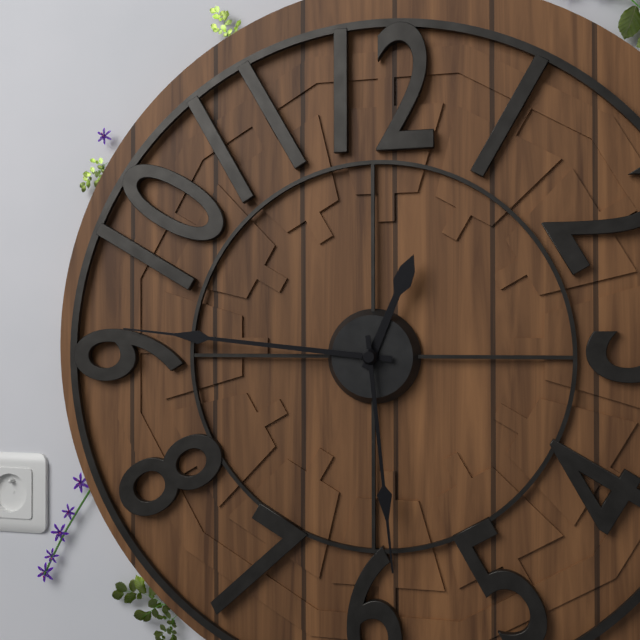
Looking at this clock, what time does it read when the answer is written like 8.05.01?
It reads 12.46.29
